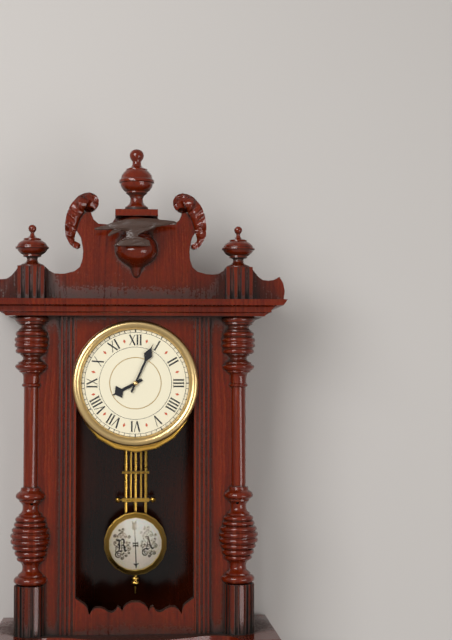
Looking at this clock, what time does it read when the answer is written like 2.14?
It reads 8.04
